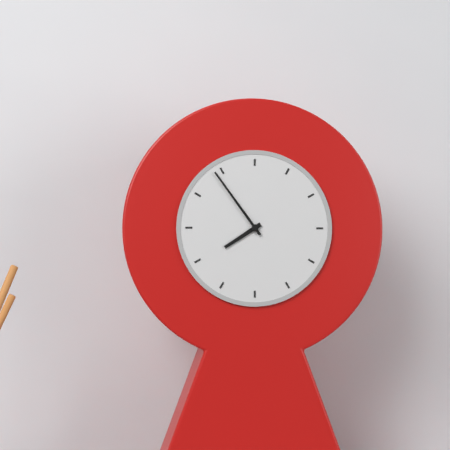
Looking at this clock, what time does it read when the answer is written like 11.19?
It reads 7.54
